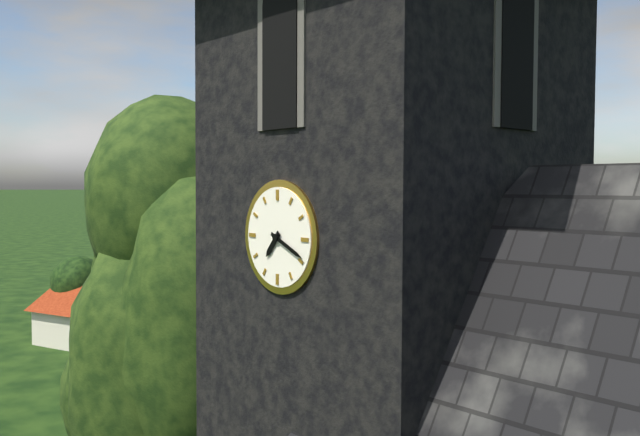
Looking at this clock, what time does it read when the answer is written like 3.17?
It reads 7.19
